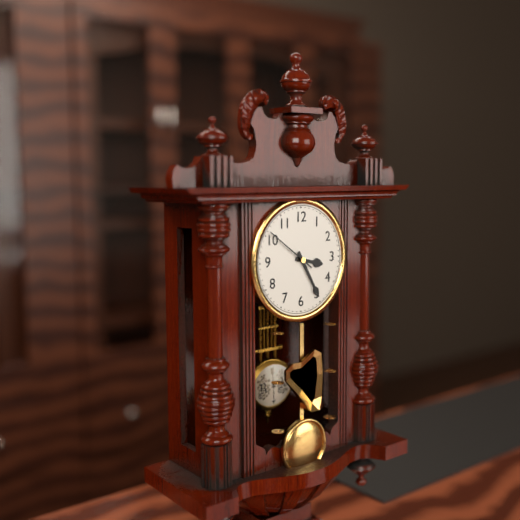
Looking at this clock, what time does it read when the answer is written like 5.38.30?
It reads 3.25.51
